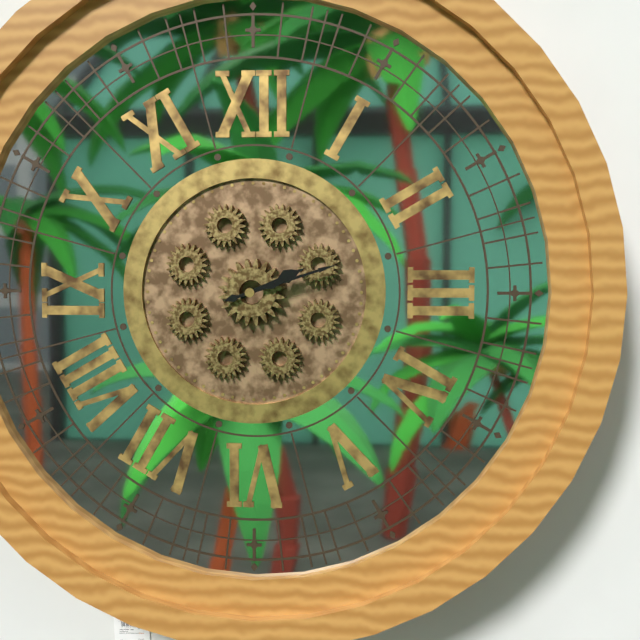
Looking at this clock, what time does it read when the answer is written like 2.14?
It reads 2.12
